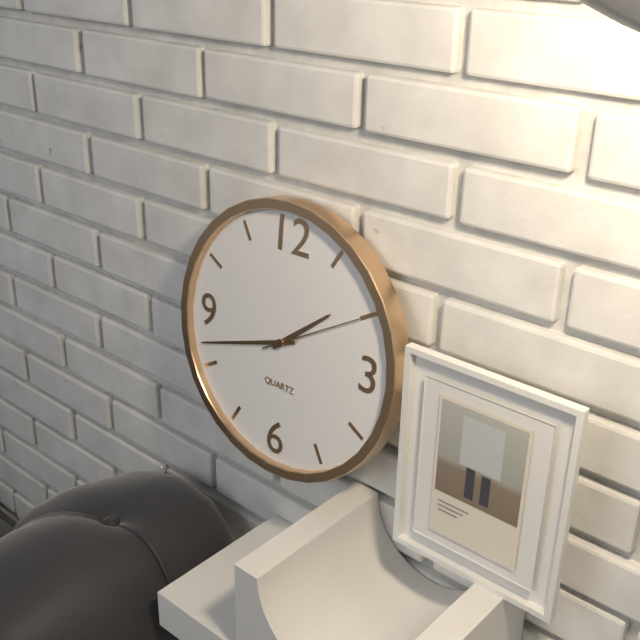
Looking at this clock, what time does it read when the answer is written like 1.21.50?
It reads 1.42.10
